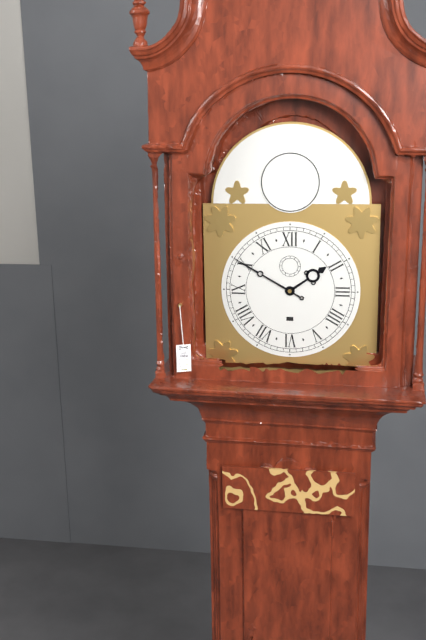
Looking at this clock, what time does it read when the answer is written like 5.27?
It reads 1.50
